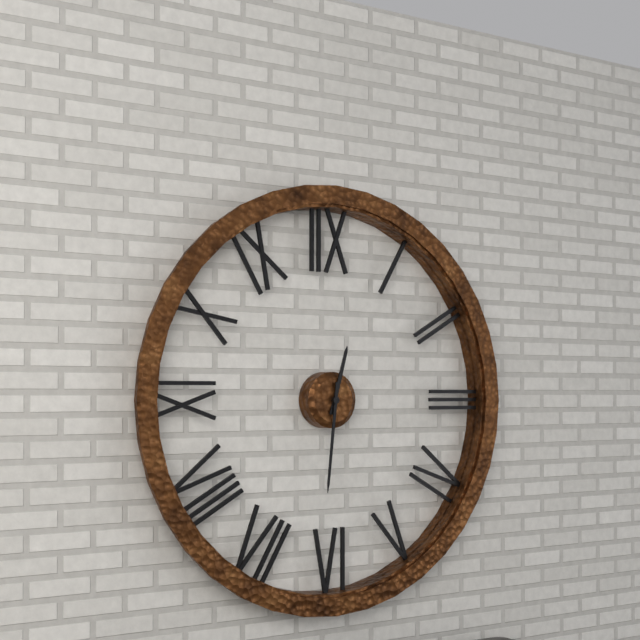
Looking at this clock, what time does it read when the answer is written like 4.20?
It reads 12.31
